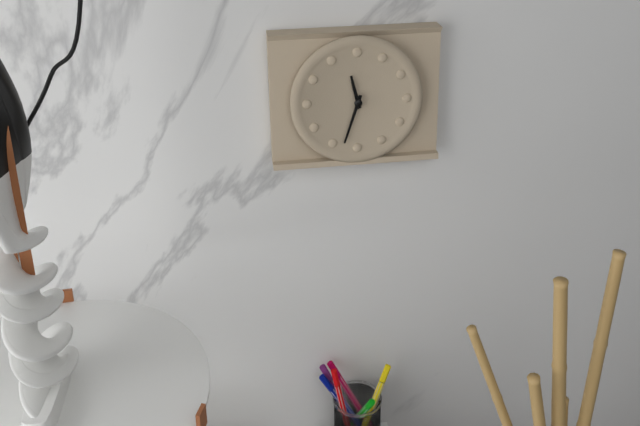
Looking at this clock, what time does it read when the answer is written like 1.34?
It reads 11.33
